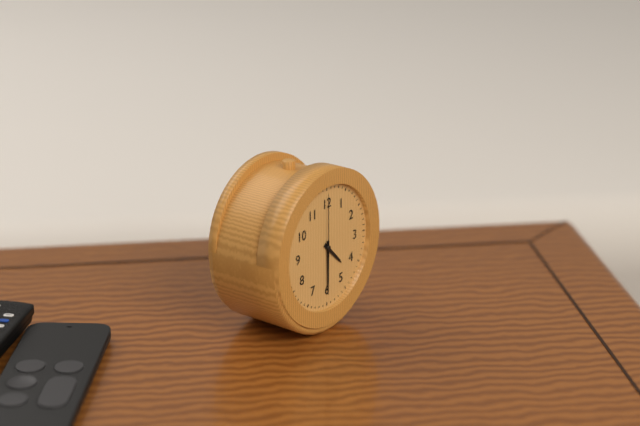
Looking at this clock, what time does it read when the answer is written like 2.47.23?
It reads 4.30.00
